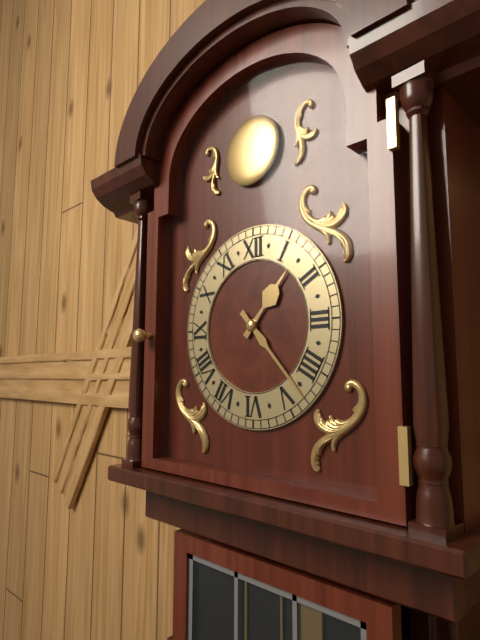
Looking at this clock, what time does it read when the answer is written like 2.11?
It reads 1.23
